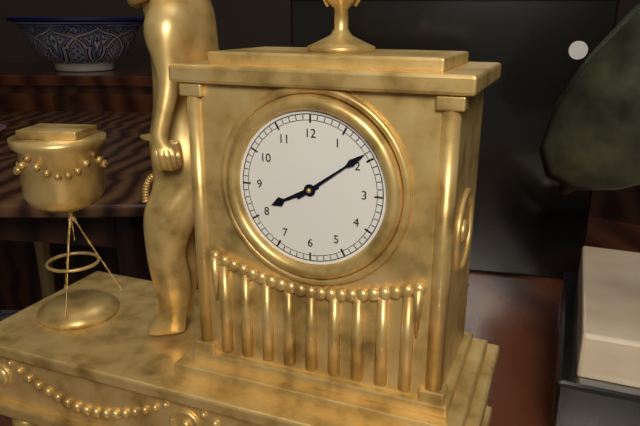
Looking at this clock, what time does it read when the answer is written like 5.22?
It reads 8.09
